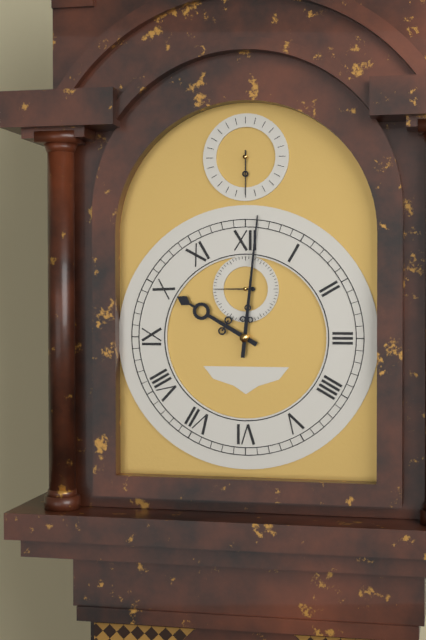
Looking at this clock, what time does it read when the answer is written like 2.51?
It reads 10.01
